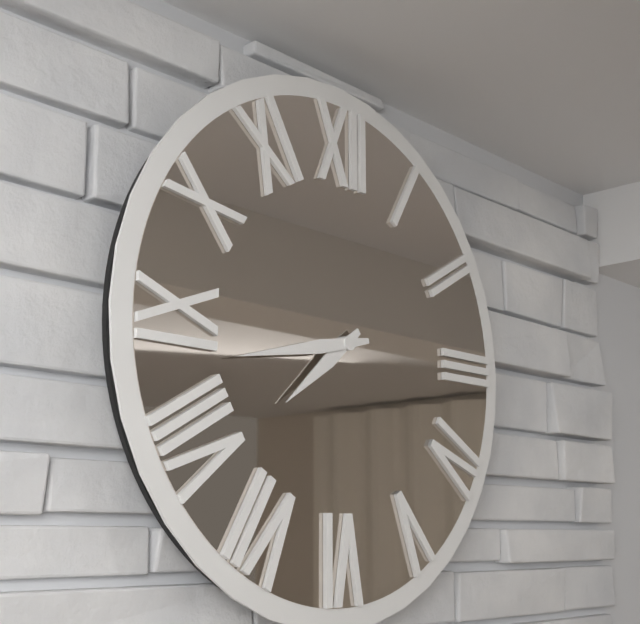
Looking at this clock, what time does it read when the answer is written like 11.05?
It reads 7.43
